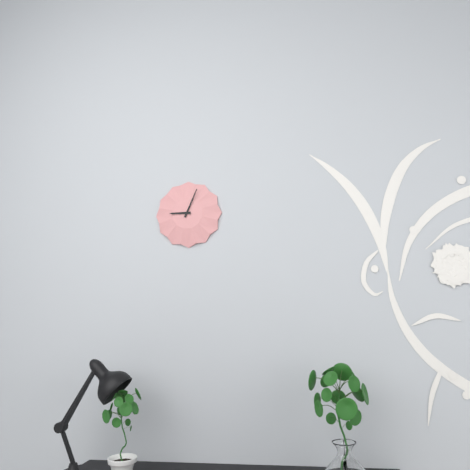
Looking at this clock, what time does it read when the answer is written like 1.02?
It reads 9.04
